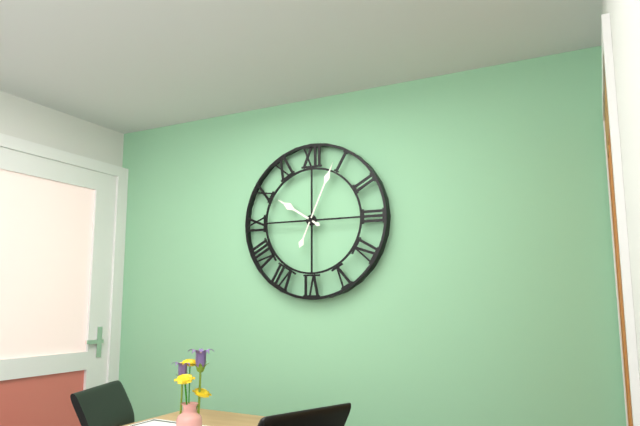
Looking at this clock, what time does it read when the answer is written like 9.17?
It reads 10.04
